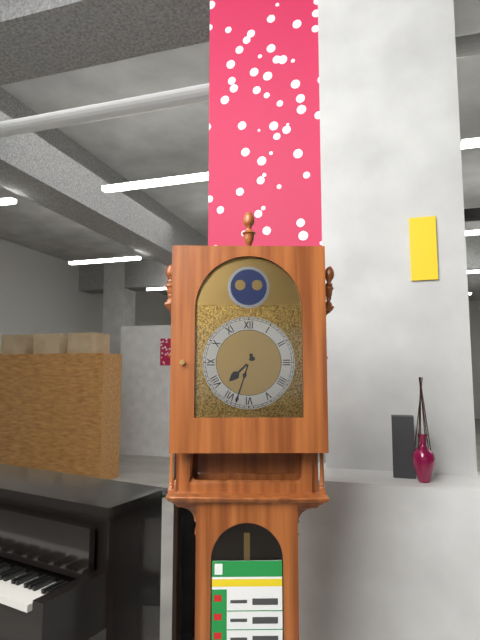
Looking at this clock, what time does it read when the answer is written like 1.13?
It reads 7.33
